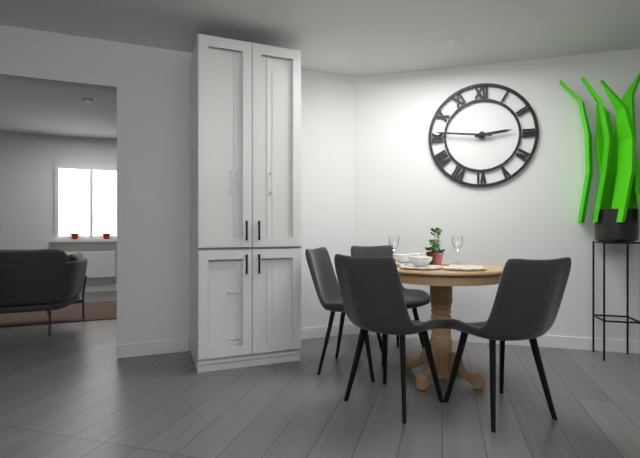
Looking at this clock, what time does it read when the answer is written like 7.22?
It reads 2.46
